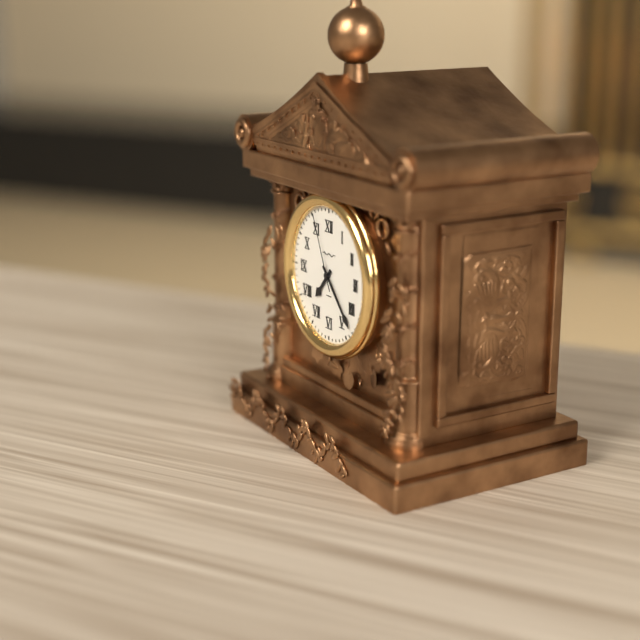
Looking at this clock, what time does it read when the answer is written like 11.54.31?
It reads 7.23.56
